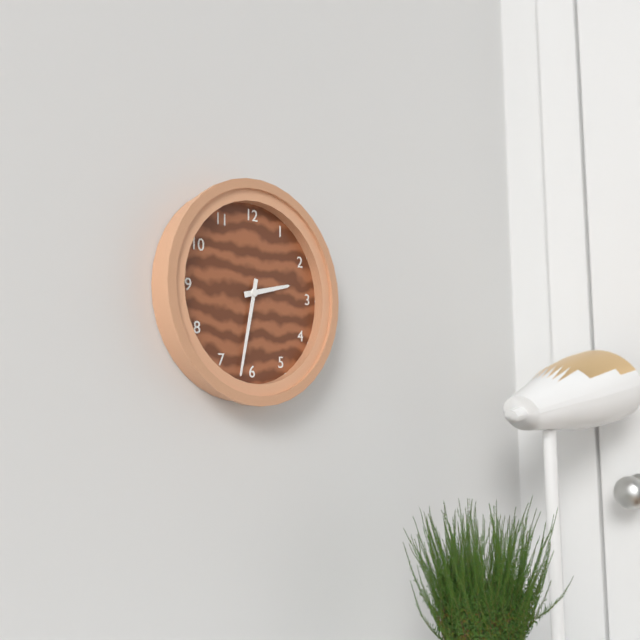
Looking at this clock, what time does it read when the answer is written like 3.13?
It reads 2.32
